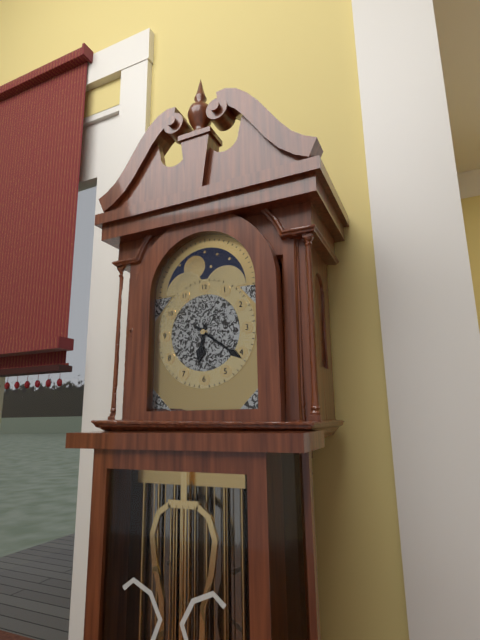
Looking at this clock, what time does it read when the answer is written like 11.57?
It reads 6.21
